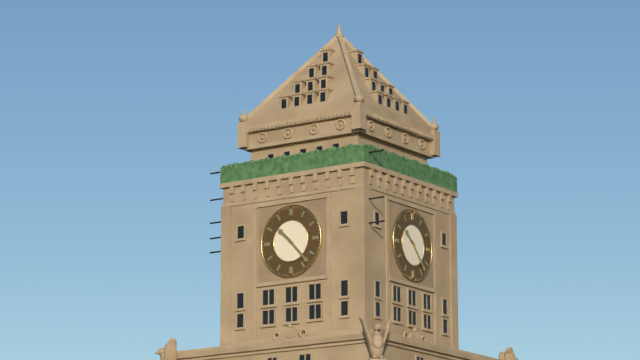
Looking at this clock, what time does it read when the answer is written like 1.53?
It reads 10.23
